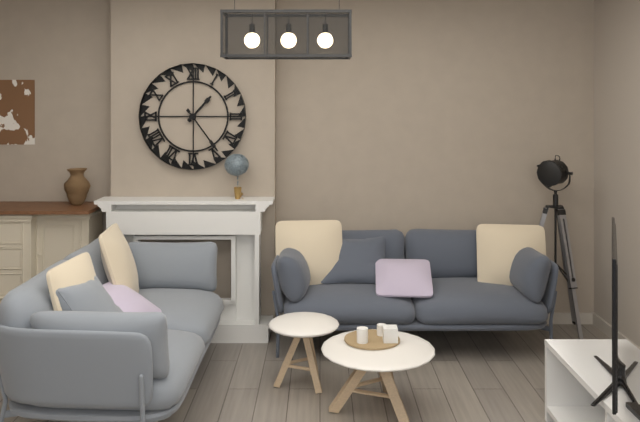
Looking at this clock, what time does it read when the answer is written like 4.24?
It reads 1.24
